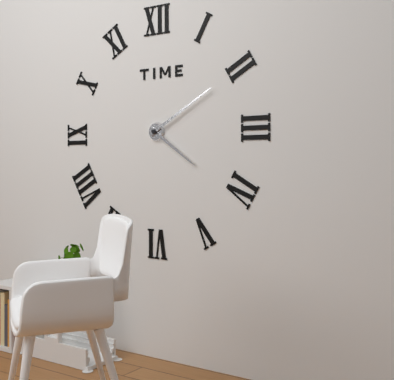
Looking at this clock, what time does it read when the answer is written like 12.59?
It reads 4.10
